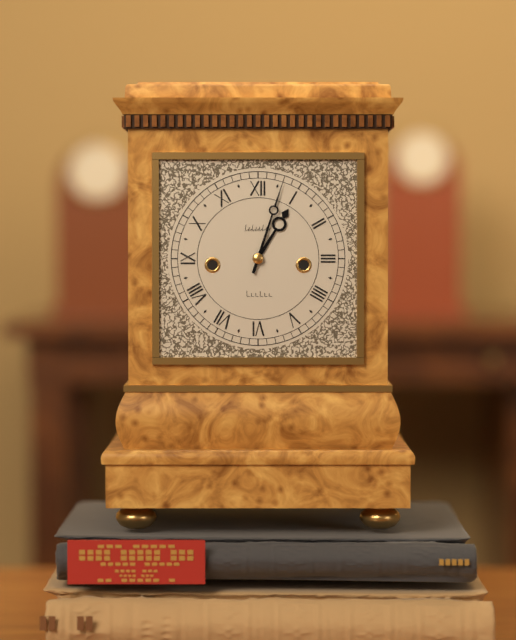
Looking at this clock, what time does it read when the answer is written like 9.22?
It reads 1.03
